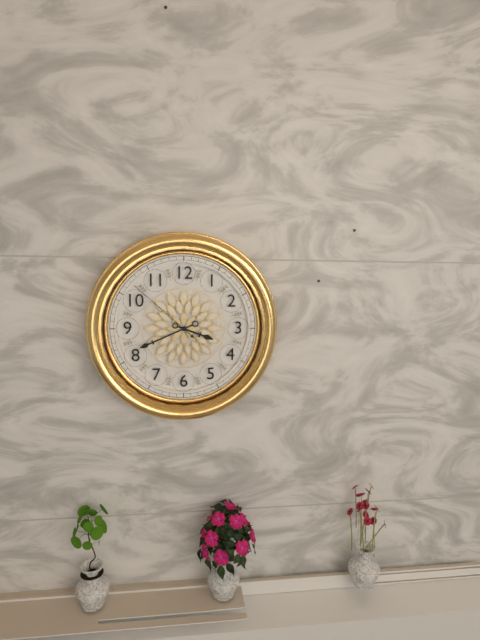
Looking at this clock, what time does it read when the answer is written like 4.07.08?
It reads 3.41.52
